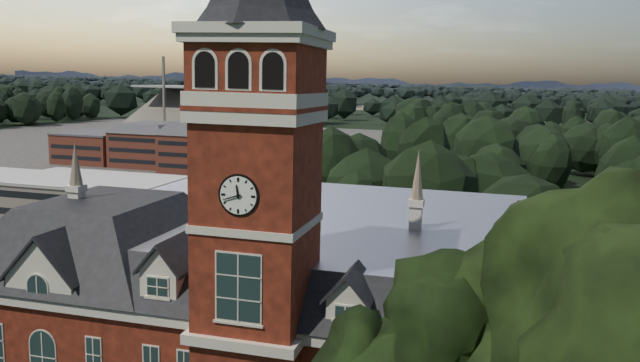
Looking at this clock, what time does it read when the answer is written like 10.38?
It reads 11.42
